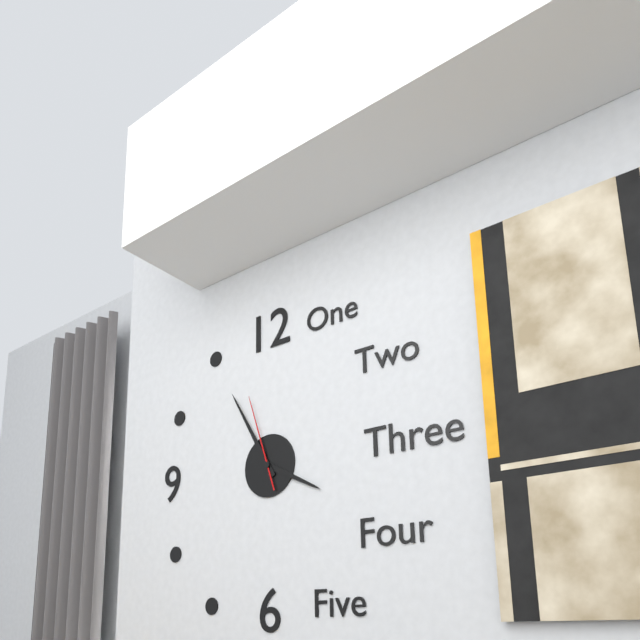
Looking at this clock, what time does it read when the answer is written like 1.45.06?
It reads 3.55.57
